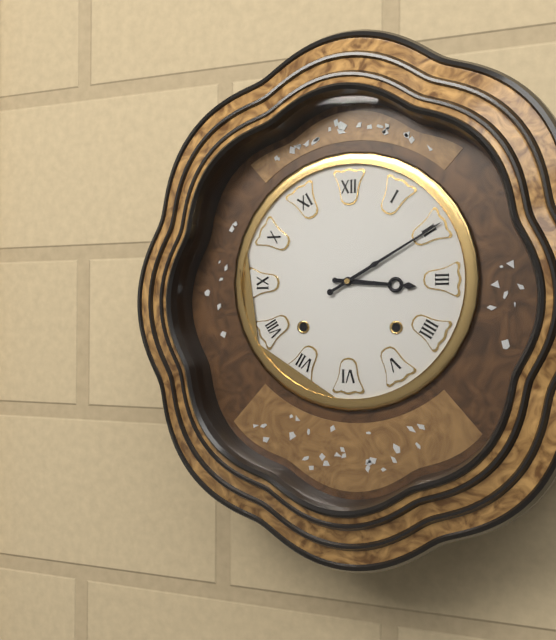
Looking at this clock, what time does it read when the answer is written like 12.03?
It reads 3.10
